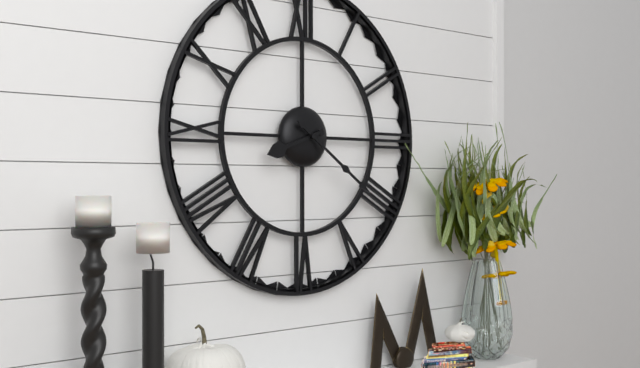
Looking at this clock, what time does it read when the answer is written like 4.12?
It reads 8.21
